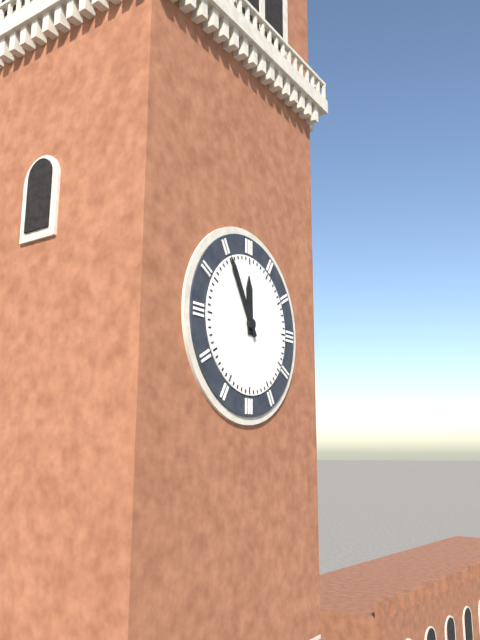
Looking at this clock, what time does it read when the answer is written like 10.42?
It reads 11.55
